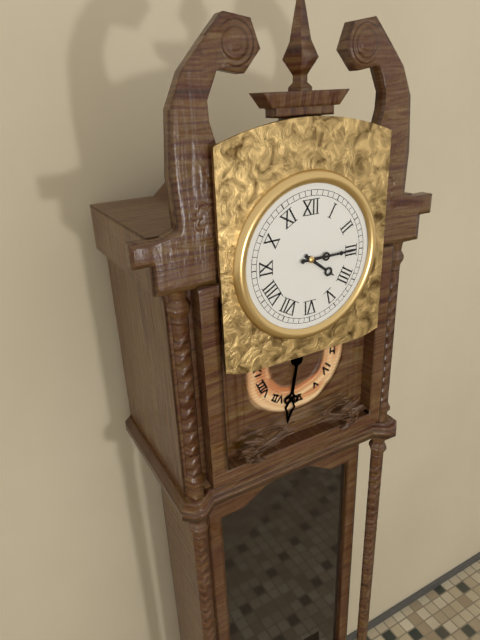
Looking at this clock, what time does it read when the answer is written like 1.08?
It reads 4.15
